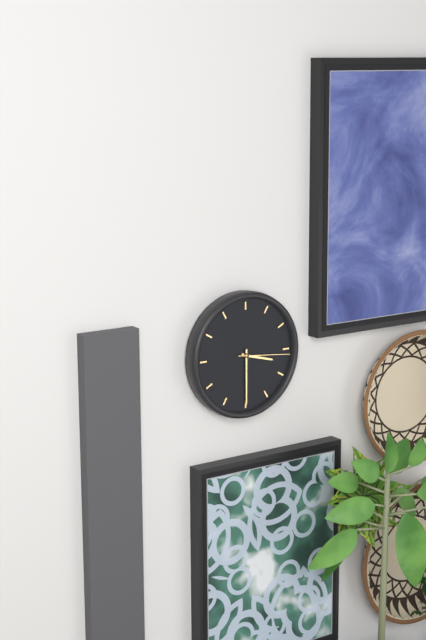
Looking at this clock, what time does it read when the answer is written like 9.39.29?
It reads 3.30.16
